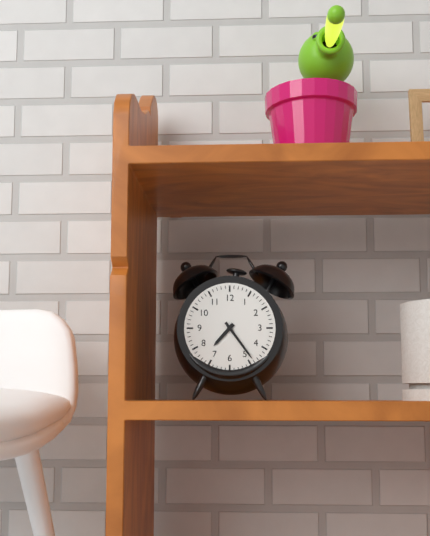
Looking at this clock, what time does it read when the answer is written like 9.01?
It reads 7.24
